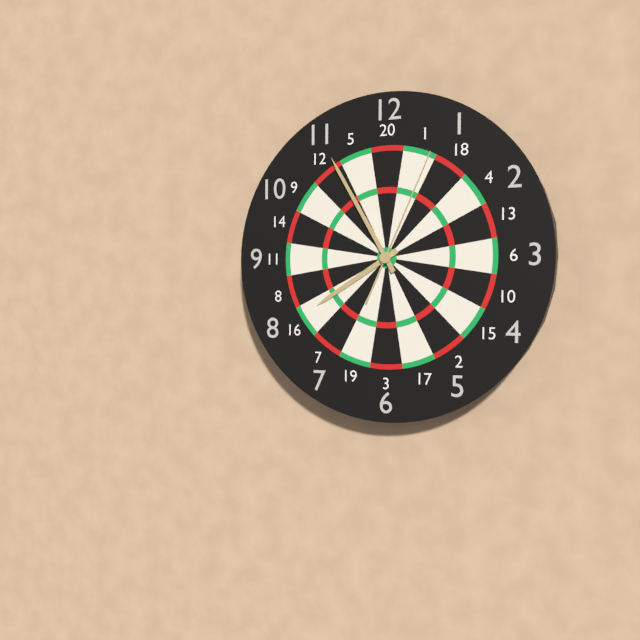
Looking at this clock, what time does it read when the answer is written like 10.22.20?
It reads 7.55.04
